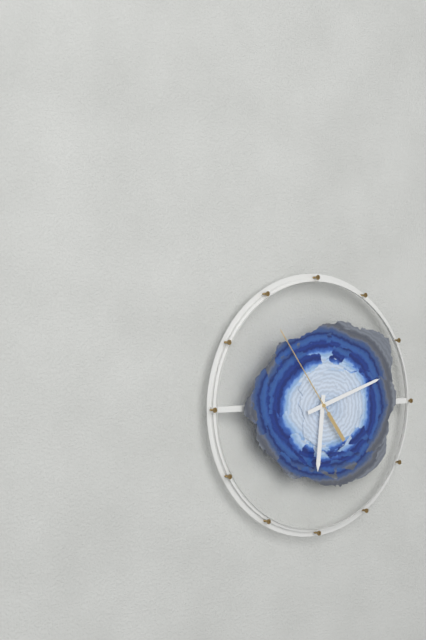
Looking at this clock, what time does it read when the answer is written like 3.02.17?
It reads 6.12.54
